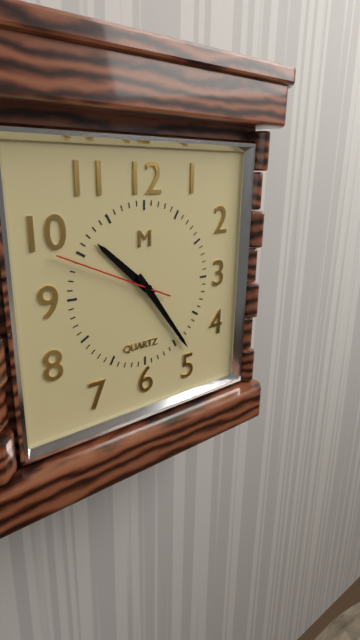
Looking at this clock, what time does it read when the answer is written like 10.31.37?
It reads 10.24.49
